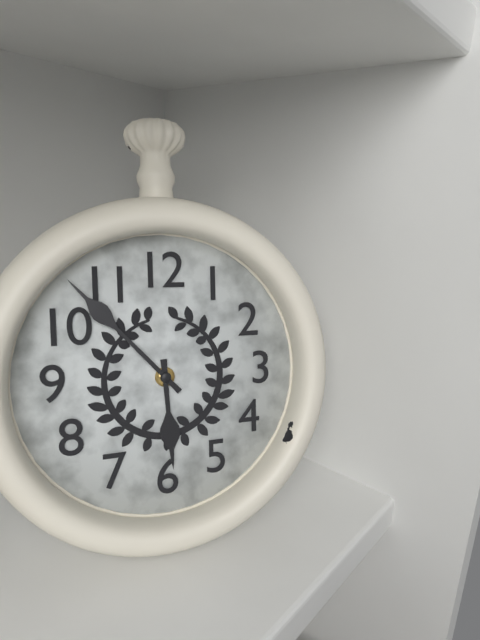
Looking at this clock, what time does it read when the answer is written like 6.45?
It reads 5.53
